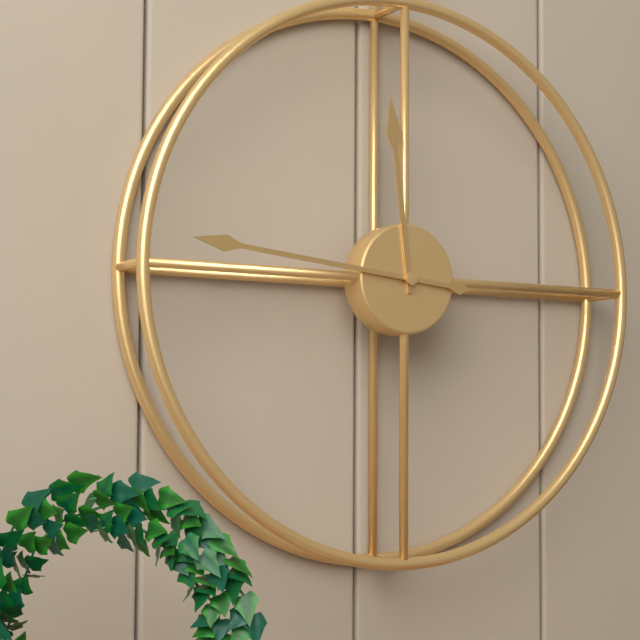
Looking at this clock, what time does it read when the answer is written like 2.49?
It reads 11.46
